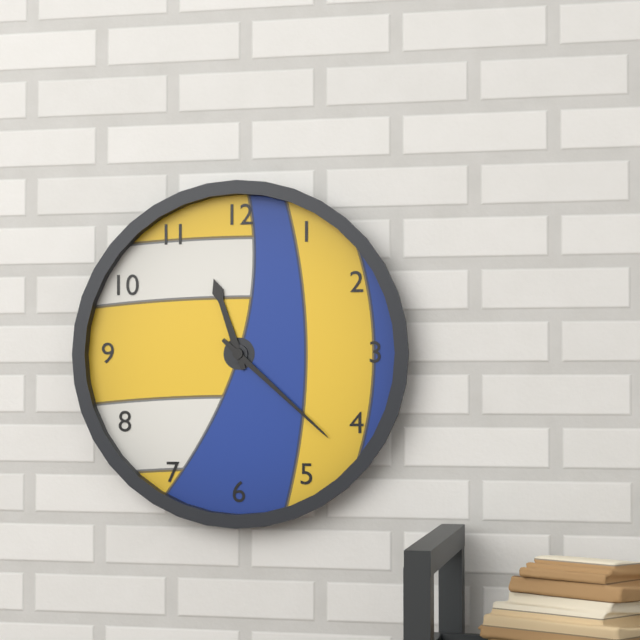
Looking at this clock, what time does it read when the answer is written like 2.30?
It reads 11.22
